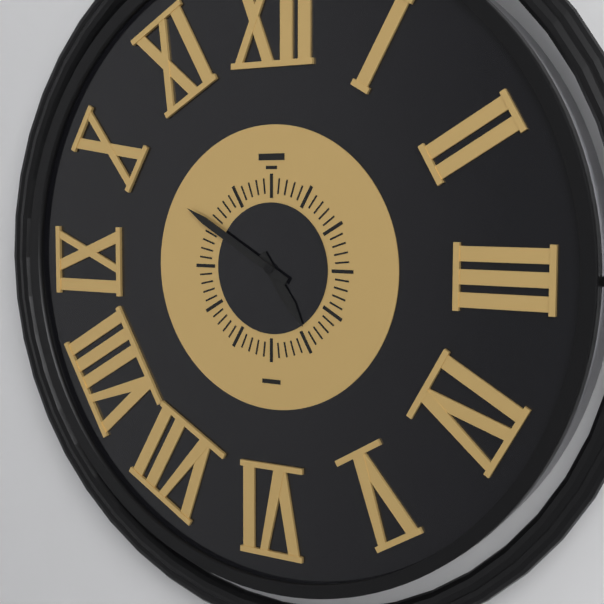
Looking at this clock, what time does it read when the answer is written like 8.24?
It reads 4.50
